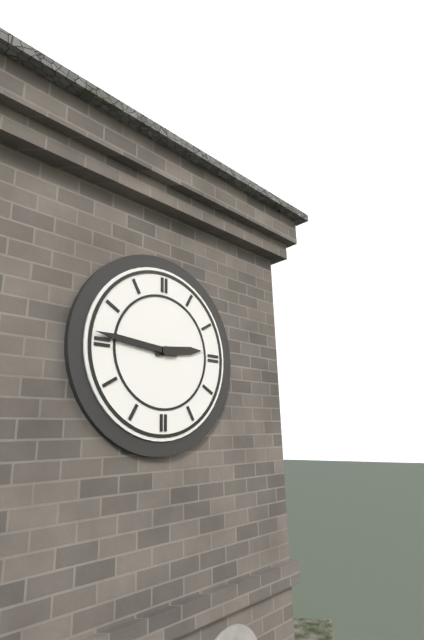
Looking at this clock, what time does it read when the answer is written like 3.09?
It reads 2.46
